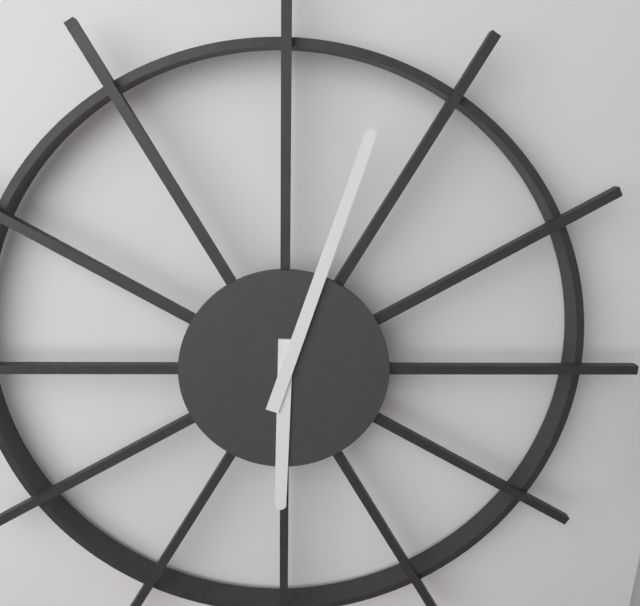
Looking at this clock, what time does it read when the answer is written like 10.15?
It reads 6.03
